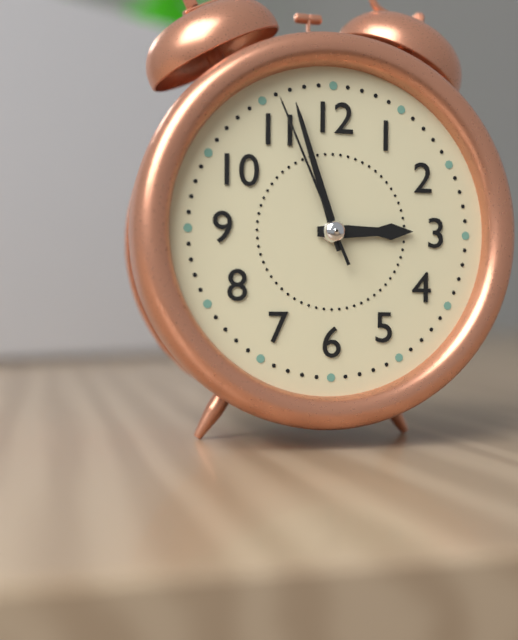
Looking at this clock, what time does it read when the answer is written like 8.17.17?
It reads 2.57.56
